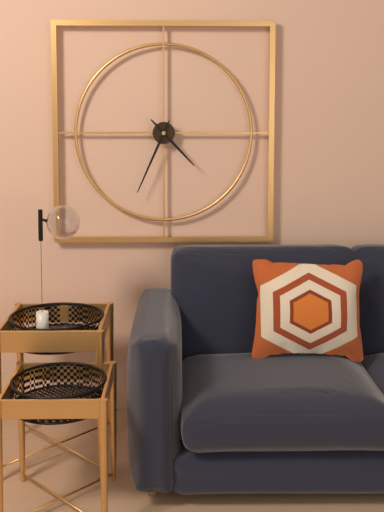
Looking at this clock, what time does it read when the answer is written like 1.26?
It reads 4.34
